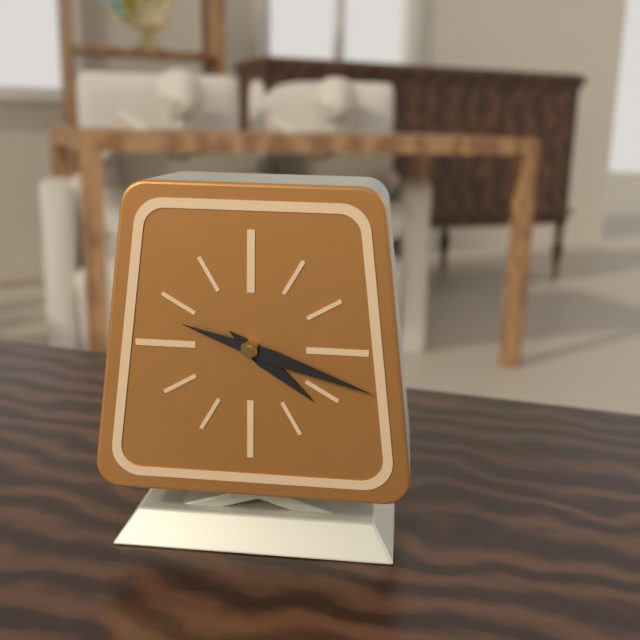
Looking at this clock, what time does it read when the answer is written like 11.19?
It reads 4.18
